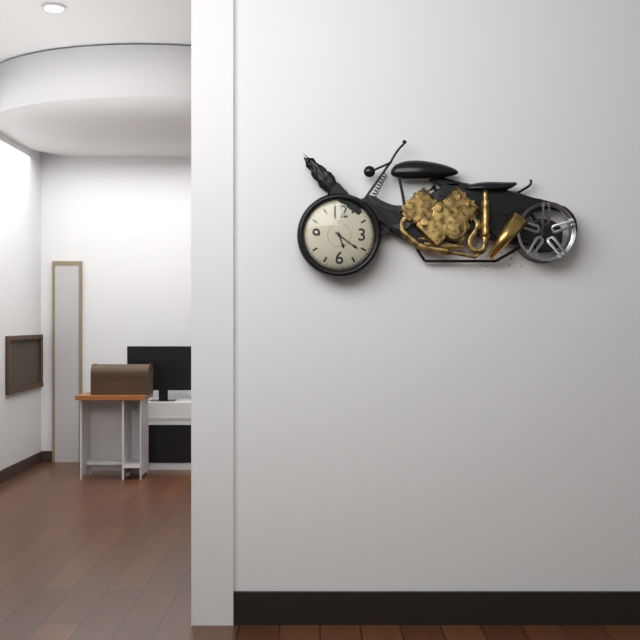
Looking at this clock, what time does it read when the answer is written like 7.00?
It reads 5.21
